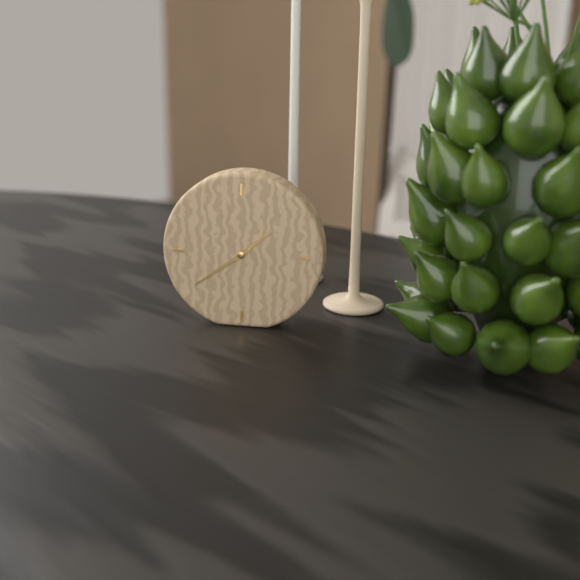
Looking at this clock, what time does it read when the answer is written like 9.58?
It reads 1.39
